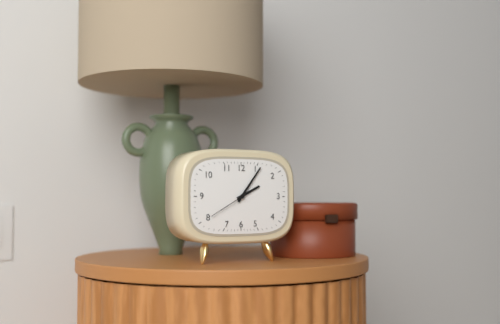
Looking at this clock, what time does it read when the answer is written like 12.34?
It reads 2.06
